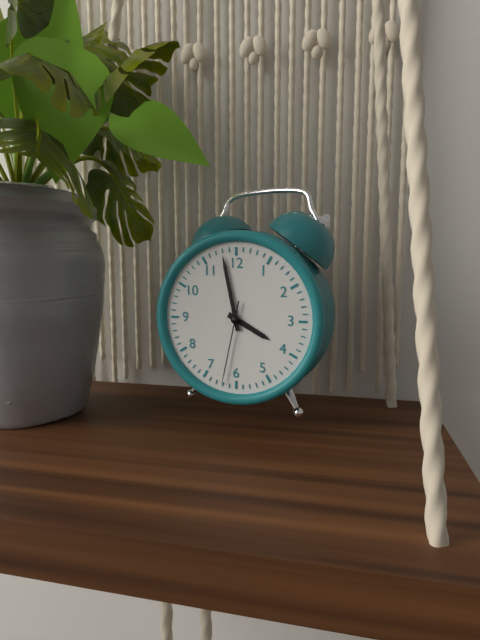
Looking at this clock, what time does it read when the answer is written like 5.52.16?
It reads 3.58.32
